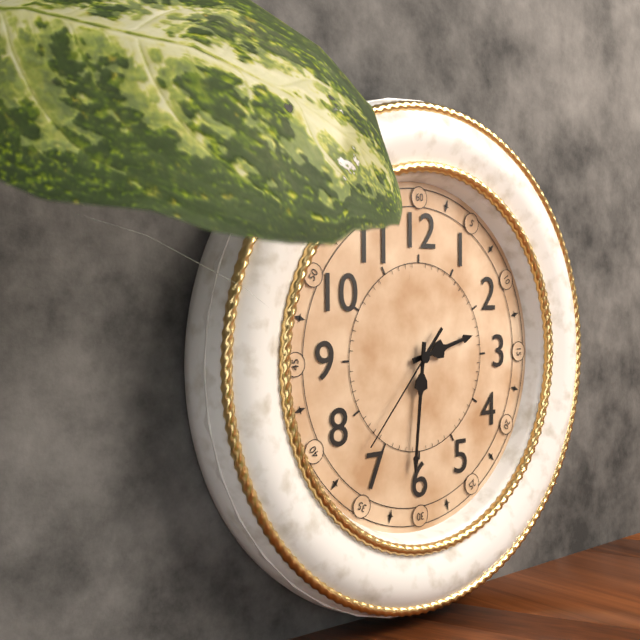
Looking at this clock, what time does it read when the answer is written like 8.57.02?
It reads 2.31.37
